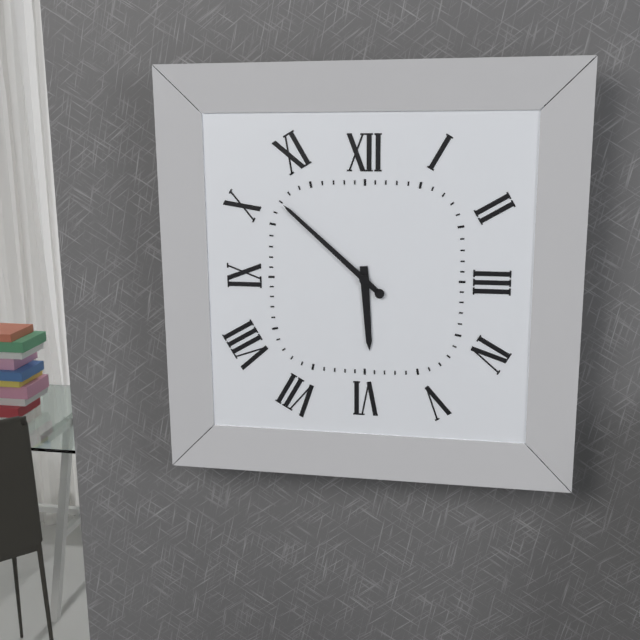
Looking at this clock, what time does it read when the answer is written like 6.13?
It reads 5.52
